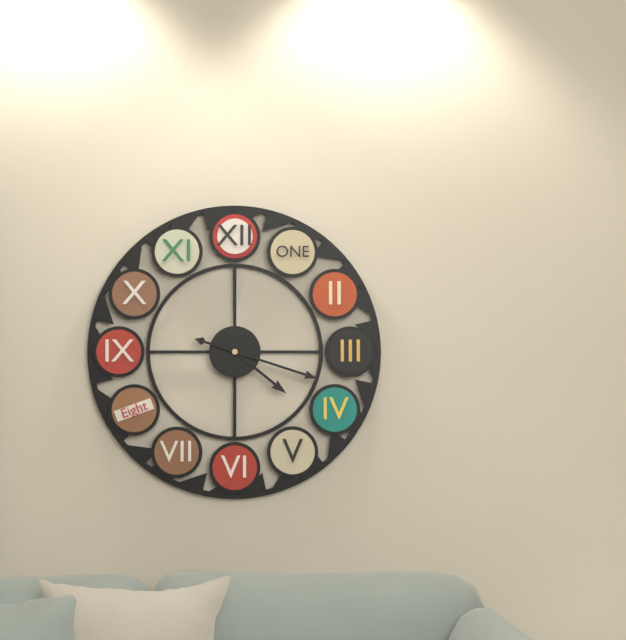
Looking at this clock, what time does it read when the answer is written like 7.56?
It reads 4.18
